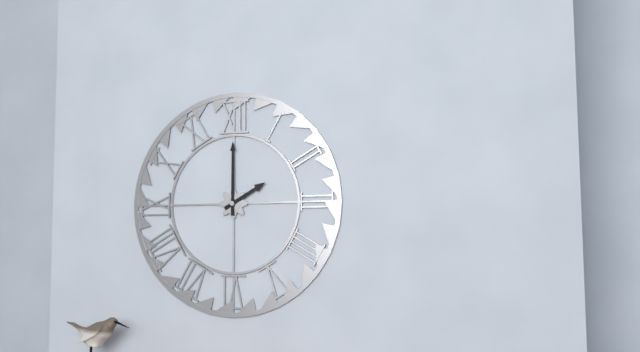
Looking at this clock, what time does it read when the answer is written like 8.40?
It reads 2.00
